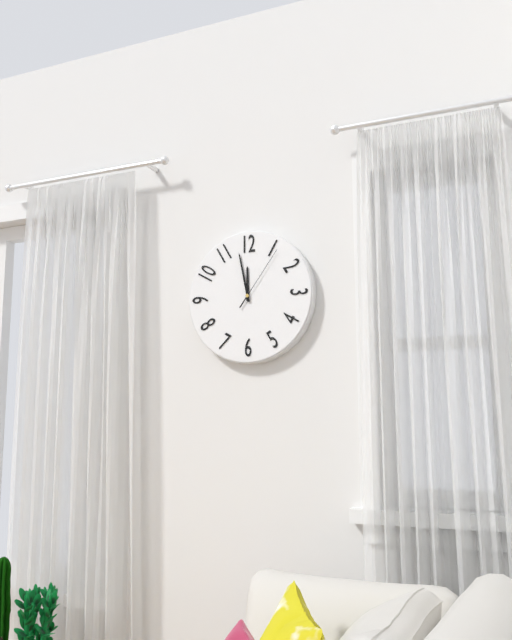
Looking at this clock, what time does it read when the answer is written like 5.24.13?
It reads 11.58.06
